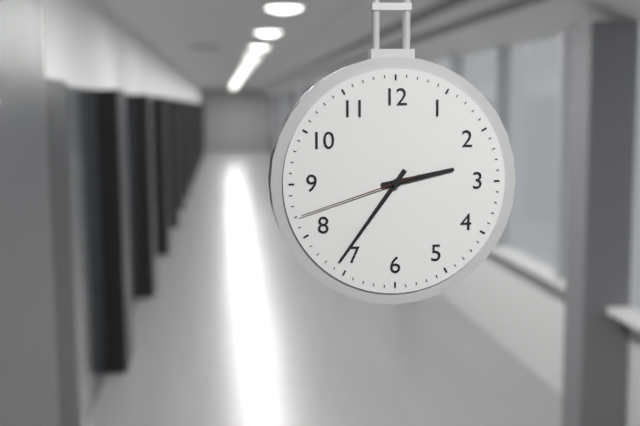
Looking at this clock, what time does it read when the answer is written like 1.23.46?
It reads 2.36.42
